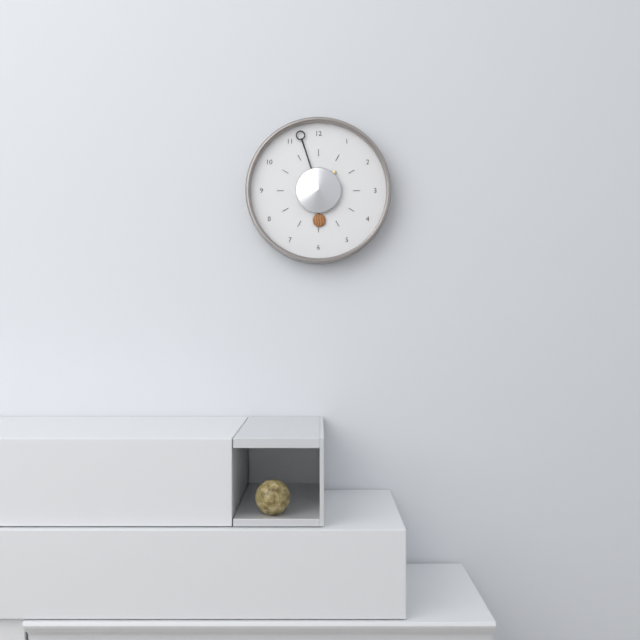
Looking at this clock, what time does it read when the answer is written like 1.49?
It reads 5.57
